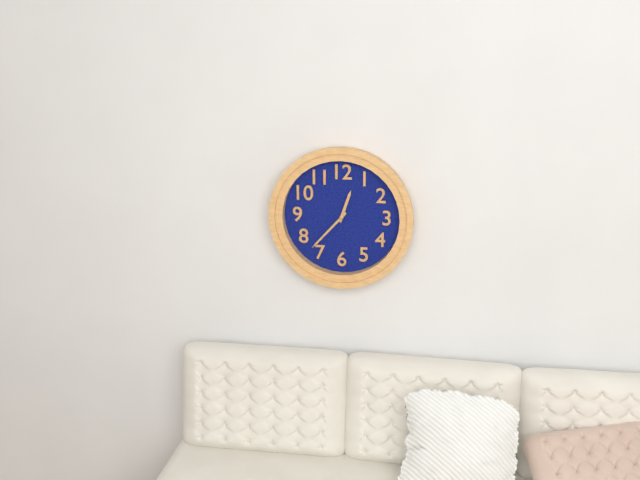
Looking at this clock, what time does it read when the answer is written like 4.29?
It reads 12.37
